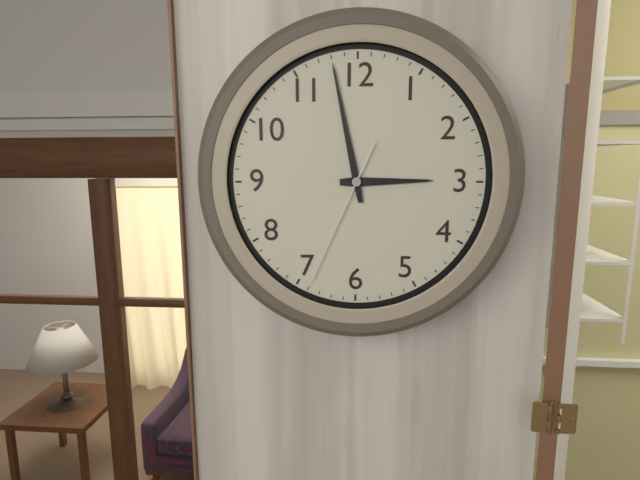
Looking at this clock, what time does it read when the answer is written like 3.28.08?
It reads 2.58.34
